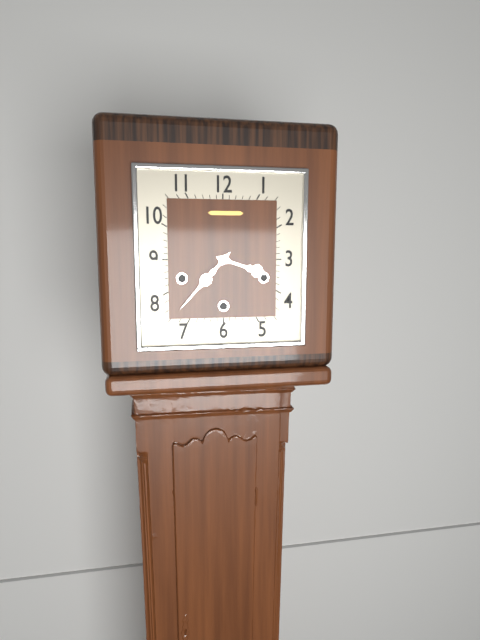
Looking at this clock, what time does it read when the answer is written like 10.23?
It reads 3.37
